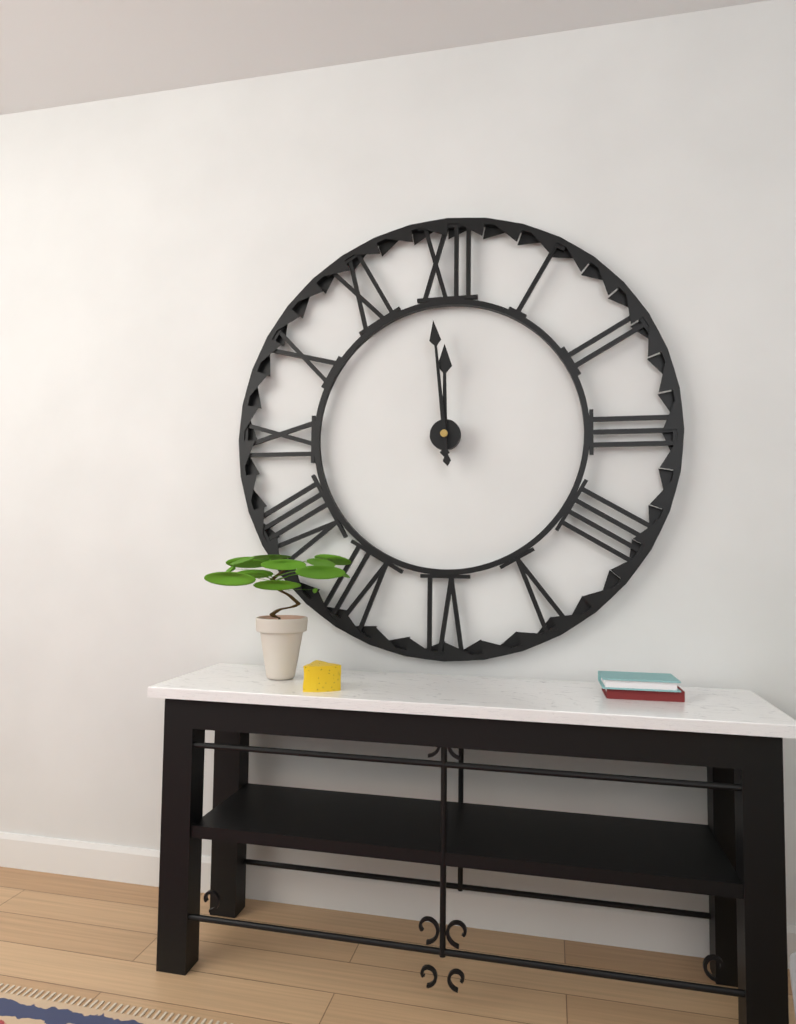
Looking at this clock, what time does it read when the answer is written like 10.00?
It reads 11.59
